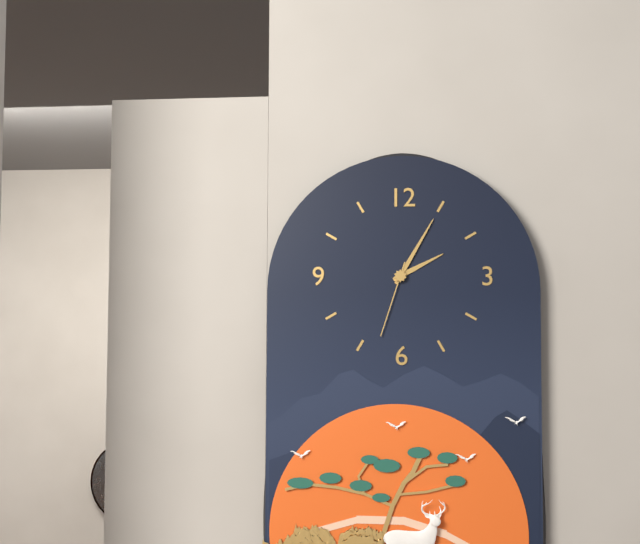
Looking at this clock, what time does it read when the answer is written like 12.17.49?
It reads 2.05.33
